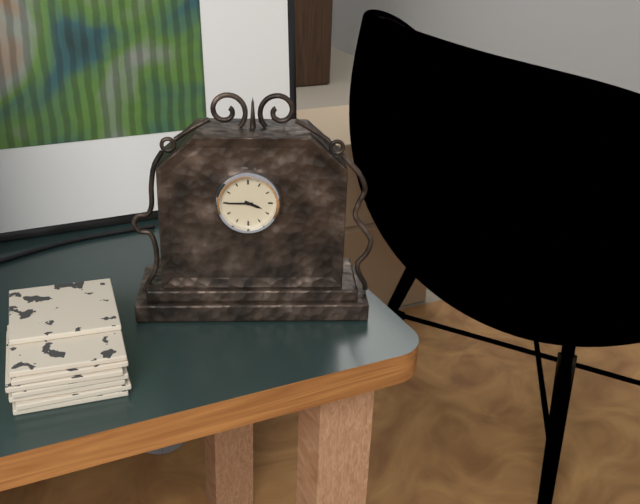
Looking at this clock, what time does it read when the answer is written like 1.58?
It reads 3.45
